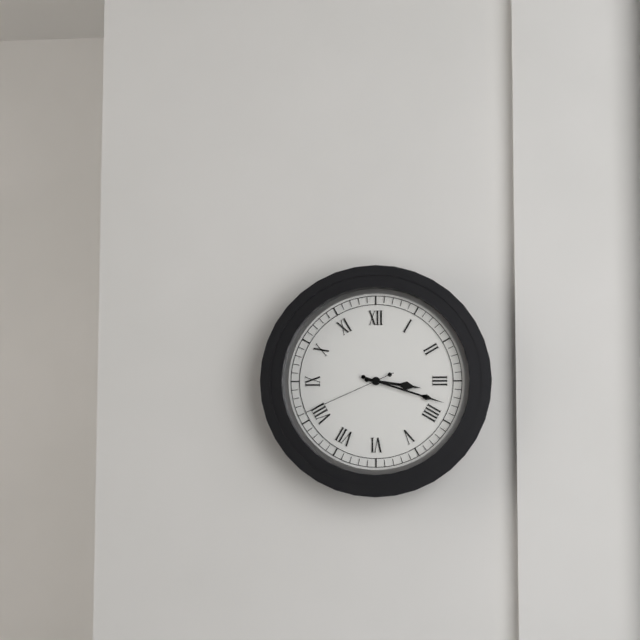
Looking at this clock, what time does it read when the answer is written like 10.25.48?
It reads 3.18.41
